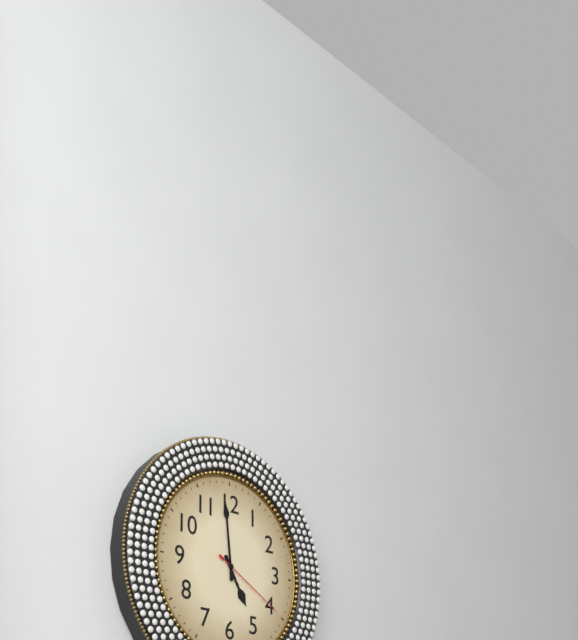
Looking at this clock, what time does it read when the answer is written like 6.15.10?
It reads 4.59.20
